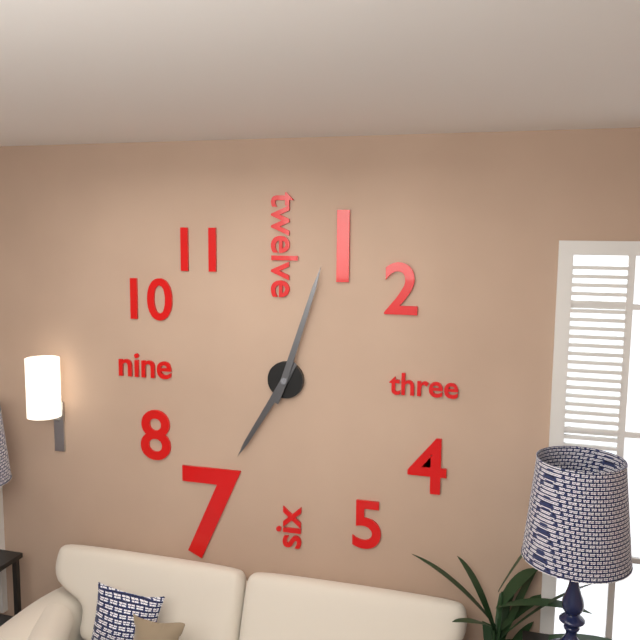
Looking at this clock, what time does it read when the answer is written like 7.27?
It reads 7.03
